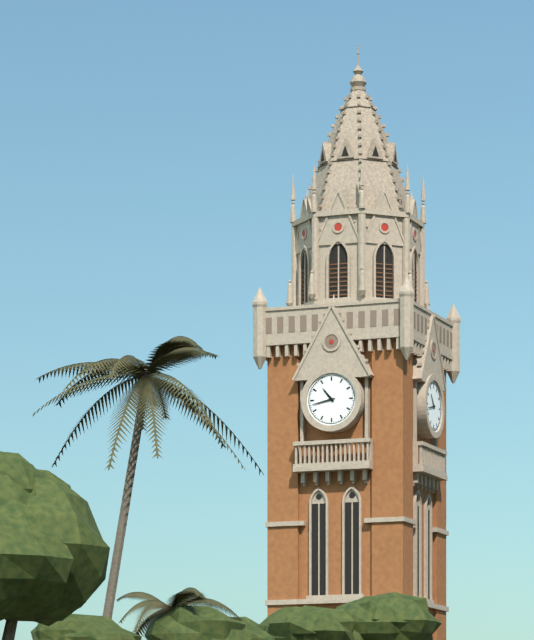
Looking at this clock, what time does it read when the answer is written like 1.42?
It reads 10.43
